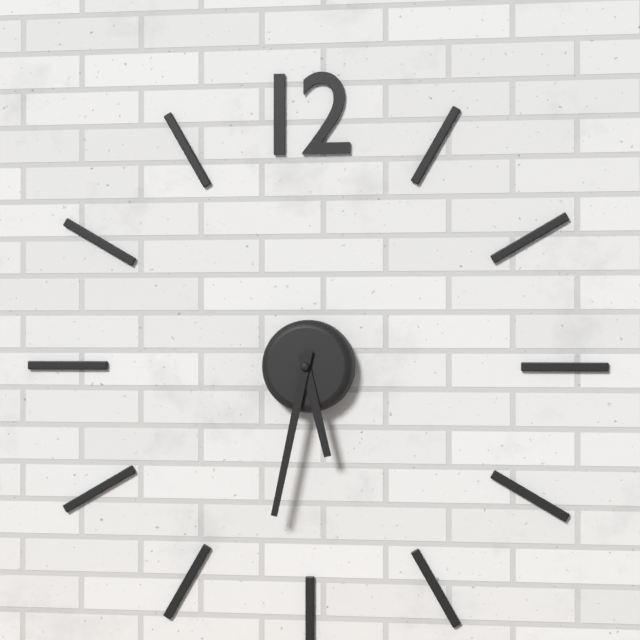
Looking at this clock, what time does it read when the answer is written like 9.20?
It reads 5.32
